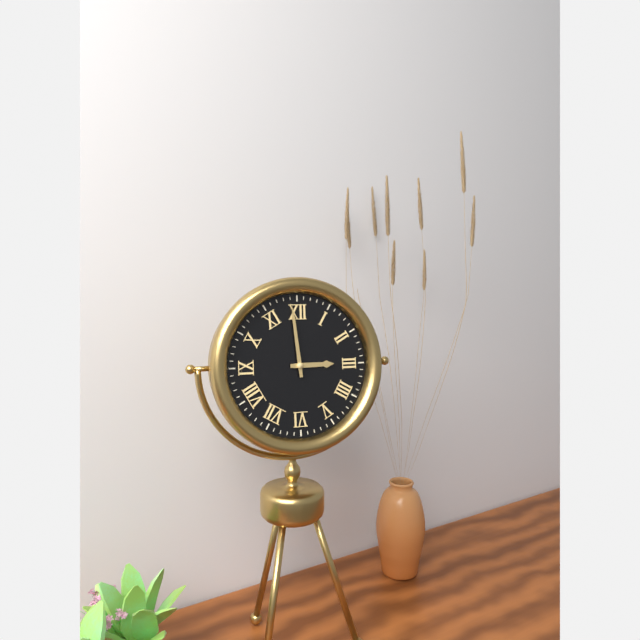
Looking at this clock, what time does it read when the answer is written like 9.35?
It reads 2.59
